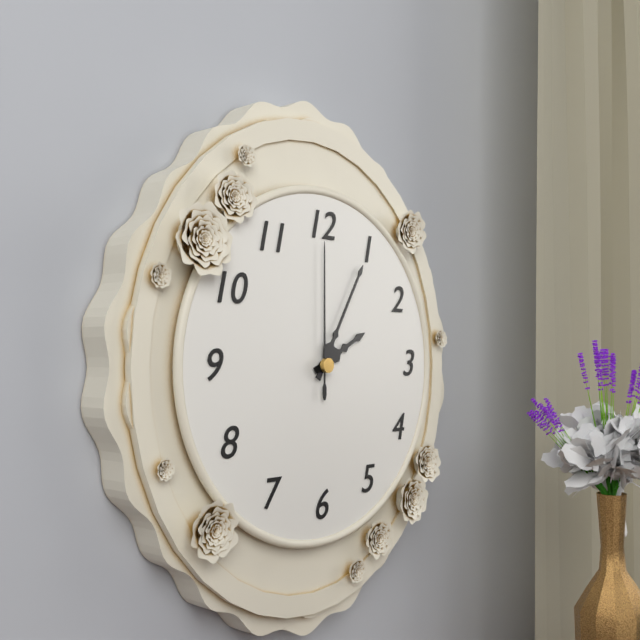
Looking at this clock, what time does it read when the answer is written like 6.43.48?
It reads 2.05.00
